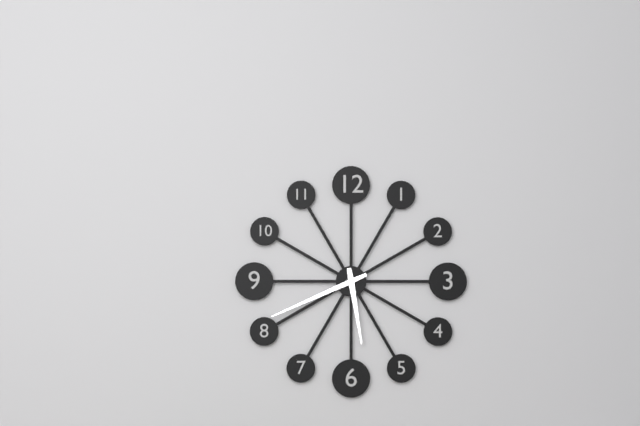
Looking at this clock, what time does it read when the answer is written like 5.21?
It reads 5.41
